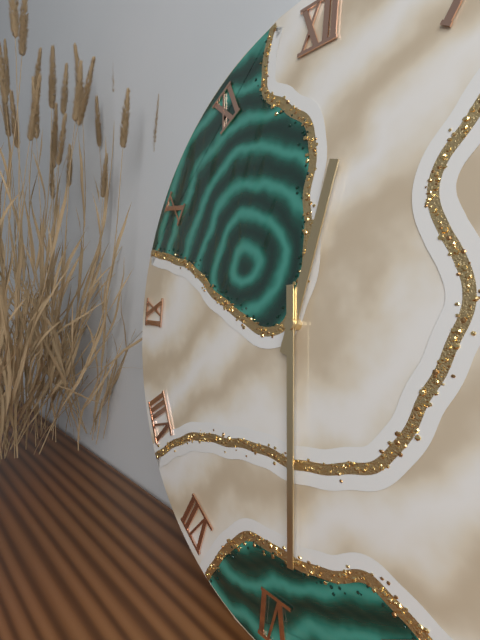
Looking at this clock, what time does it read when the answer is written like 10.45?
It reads 12.29
